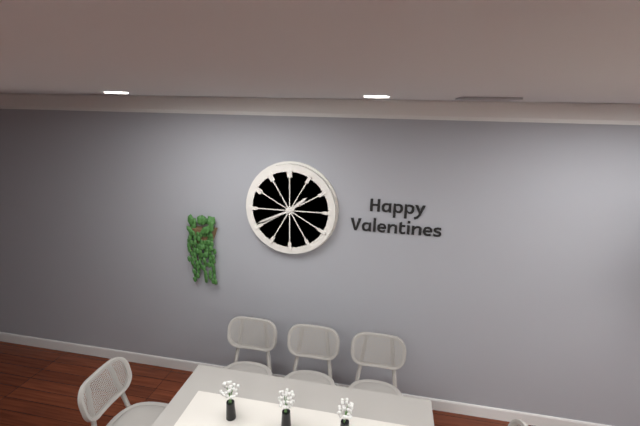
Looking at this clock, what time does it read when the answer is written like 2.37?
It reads 1.41
